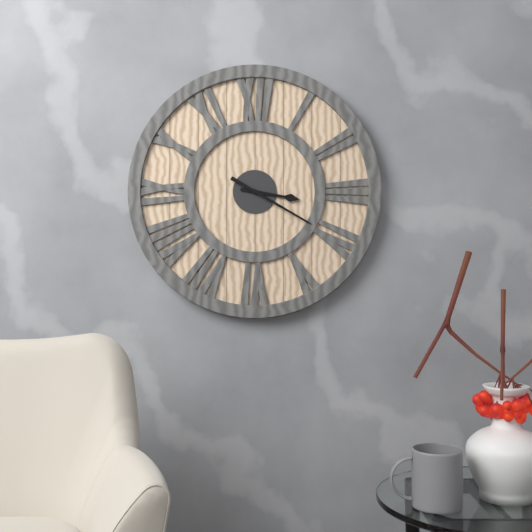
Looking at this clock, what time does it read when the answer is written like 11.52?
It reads 3.20
